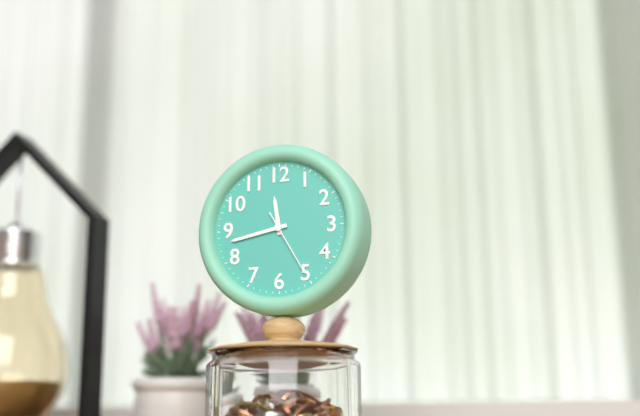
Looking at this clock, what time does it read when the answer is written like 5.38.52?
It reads 11.43.25
